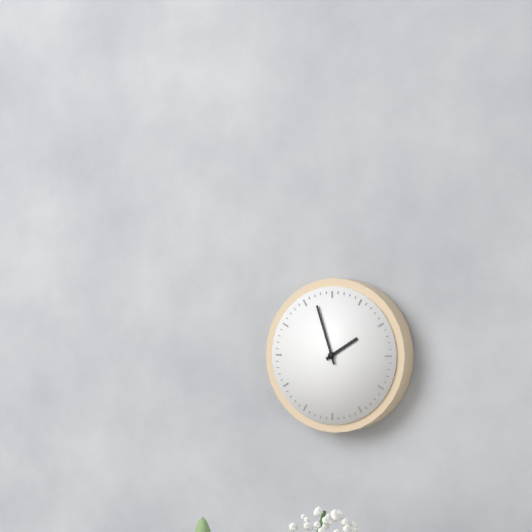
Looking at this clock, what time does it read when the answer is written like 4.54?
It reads 1.57
